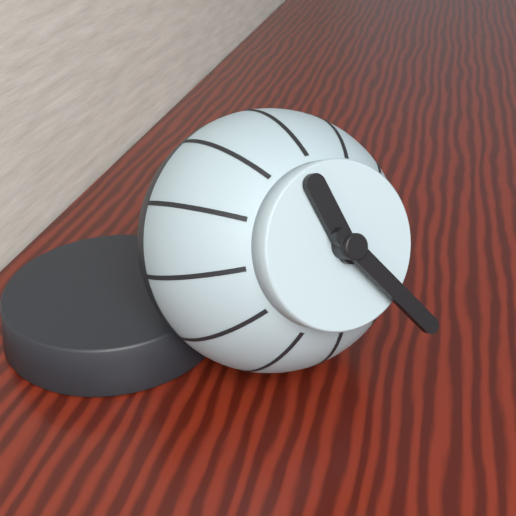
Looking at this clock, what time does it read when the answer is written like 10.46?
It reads 11.24
